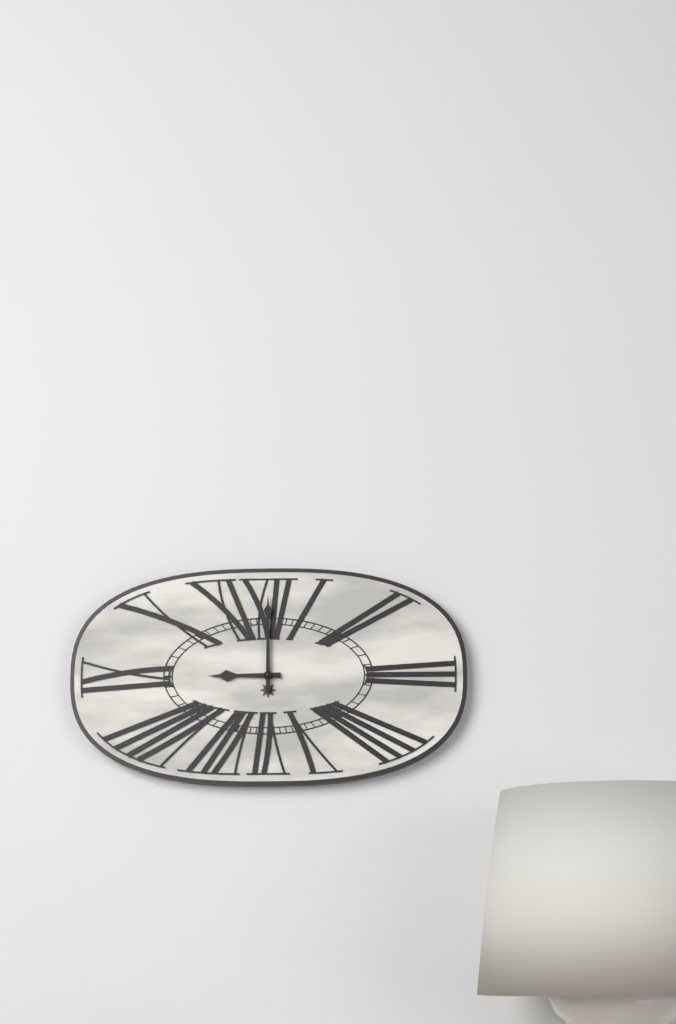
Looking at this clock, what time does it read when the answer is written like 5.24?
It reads 9.00
